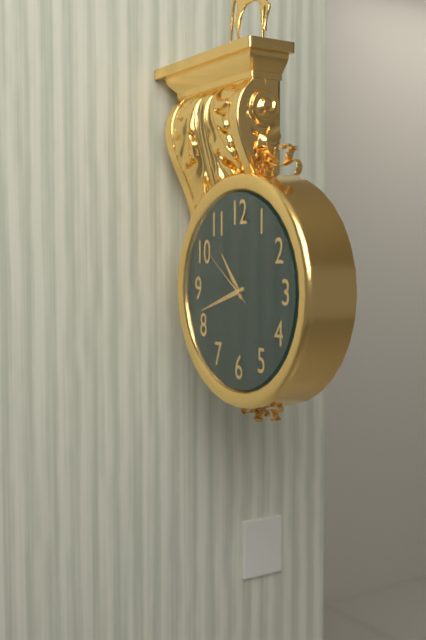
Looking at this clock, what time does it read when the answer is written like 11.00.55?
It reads 10.42.51
